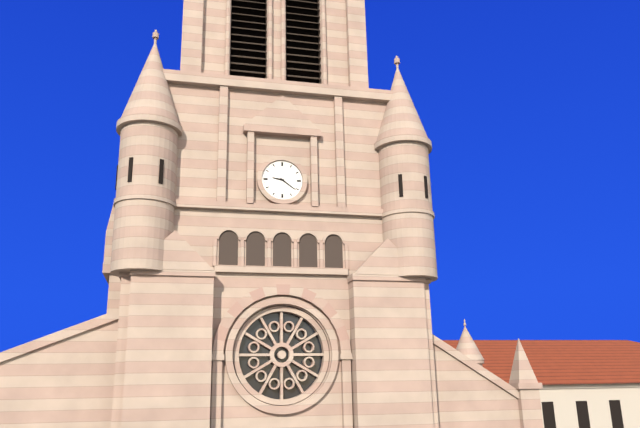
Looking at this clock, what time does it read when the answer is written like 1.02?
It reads 9.21
